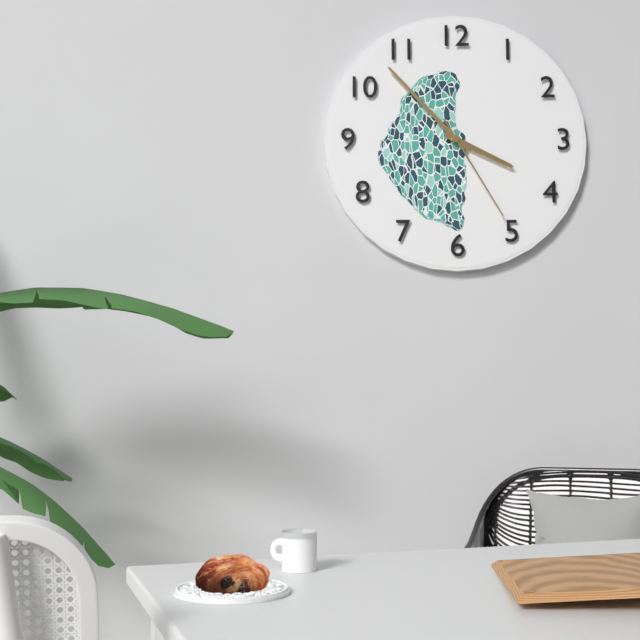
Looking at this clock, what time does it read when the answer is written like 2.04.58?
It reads 3.53.25
